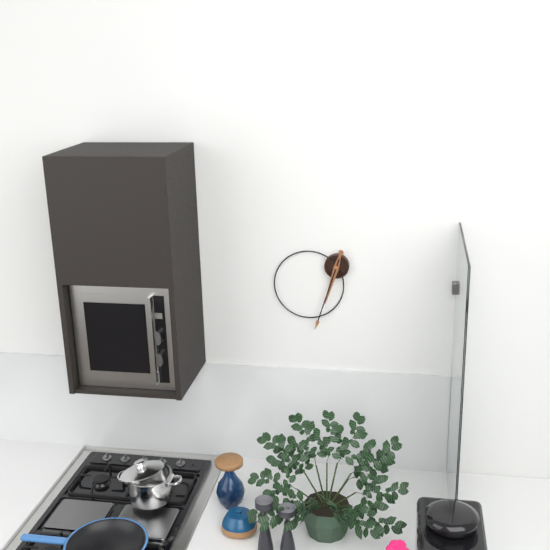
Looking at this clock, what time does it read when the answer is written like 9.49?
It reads 6.33
